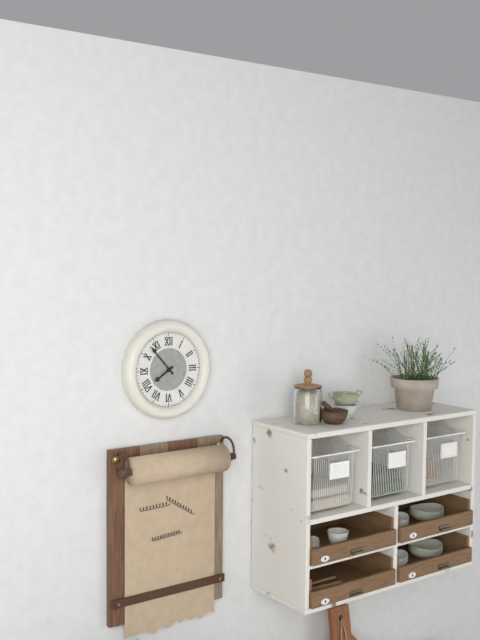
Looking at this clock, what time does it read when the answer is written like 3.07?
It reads 7.53
